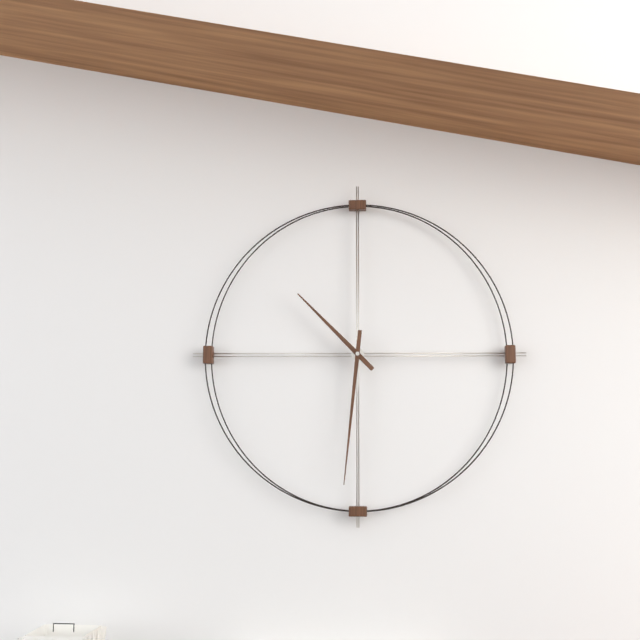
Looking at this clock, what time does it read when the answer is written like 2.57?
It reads 10.31
